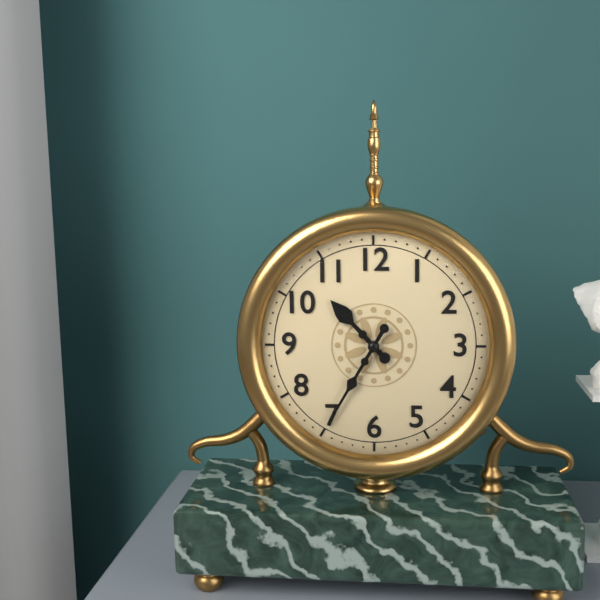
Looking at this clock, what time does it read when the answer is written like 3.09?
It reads 10.35
